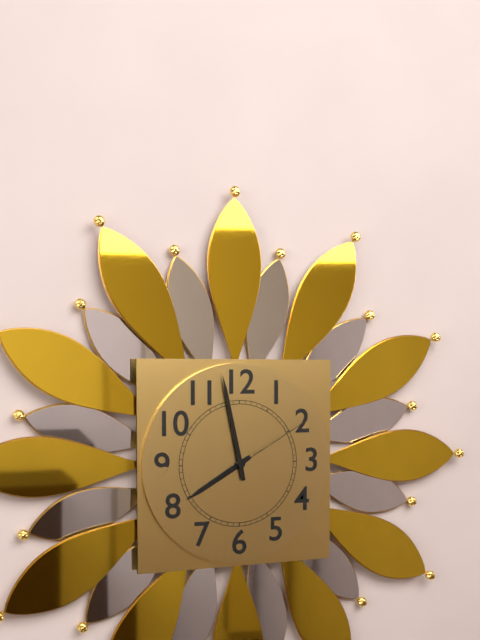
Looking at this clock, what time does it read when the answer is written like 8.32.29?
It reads 7.58.10
